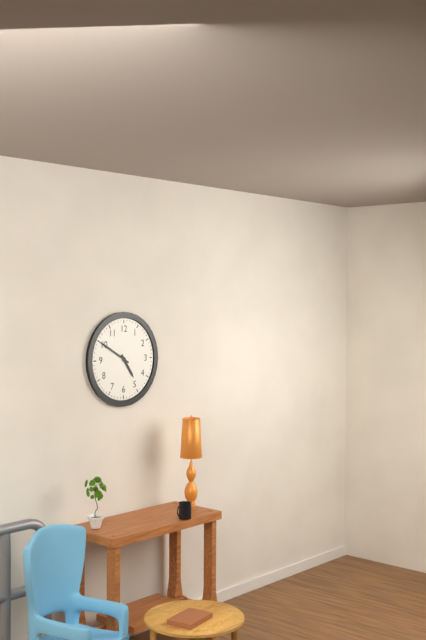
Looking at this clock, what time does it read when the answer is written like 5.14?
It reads 4.50
